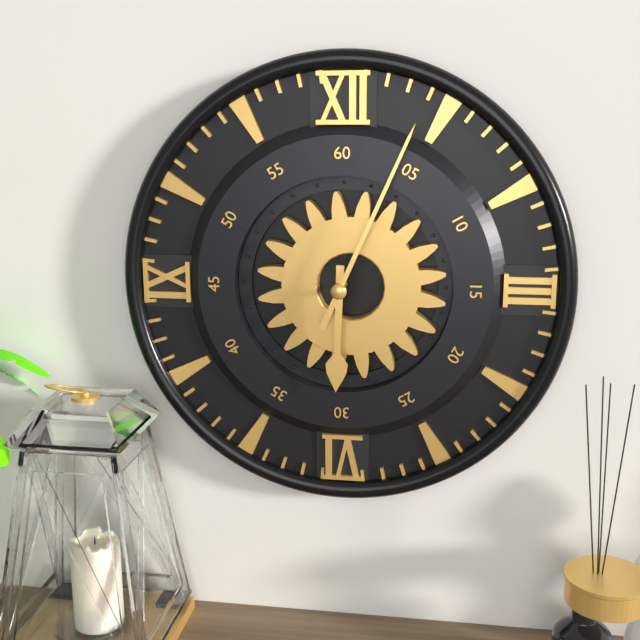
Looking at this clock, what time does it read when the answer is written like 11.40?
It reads 6.04
